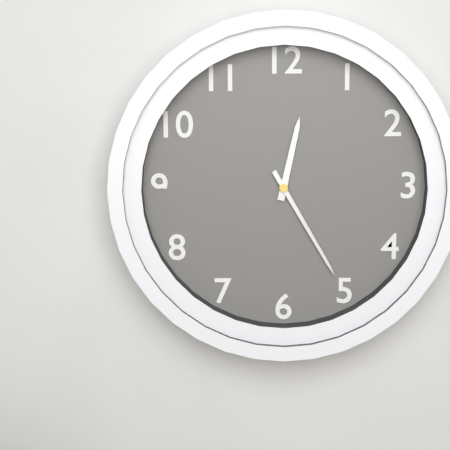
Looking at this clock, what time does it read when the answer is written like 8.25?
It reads 12.25
